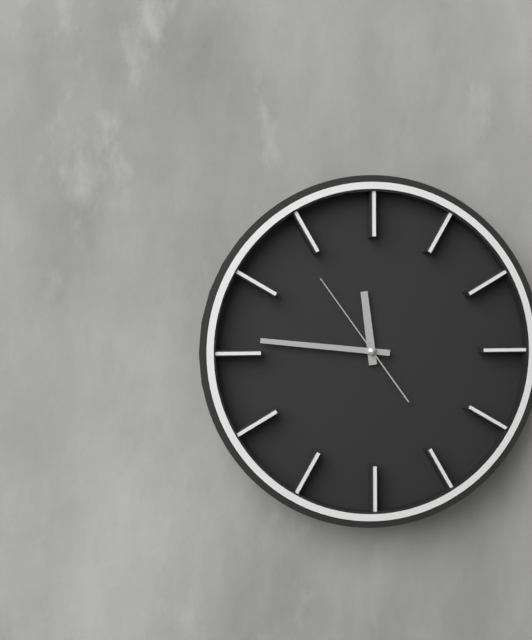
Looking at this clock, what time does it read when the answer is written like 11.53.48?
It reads 11.46.54
